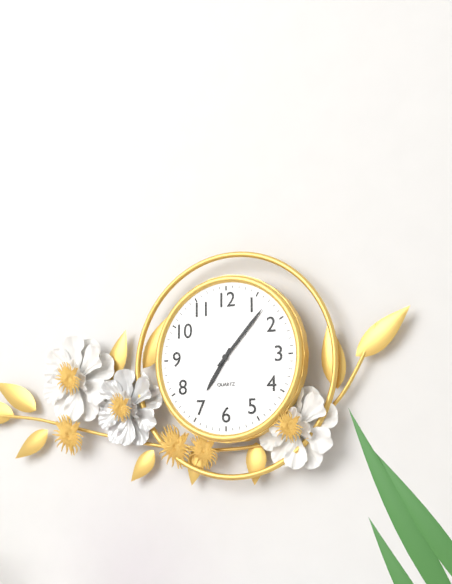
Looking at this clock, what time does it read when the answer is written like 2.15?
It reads 7.07
